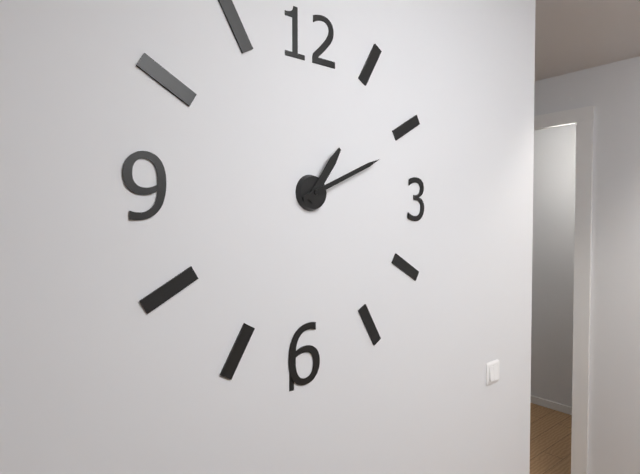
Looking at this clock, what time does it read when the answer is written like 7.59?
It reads 1.11
